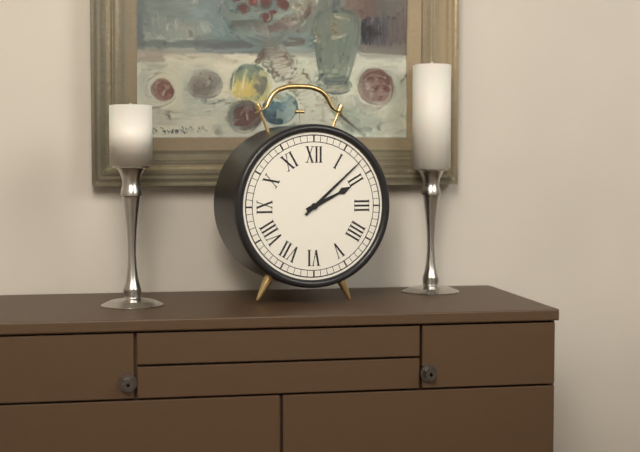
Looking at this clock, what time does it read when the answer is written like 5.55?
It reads 2.08
